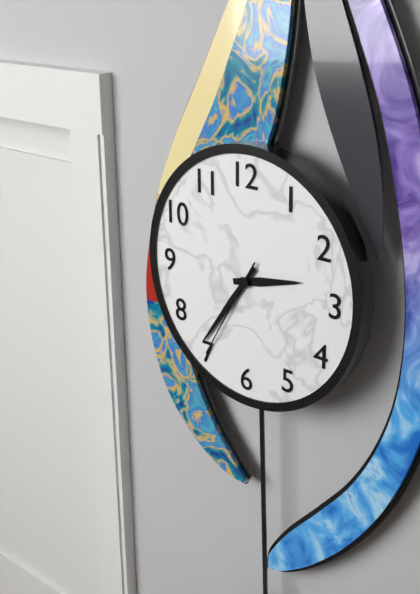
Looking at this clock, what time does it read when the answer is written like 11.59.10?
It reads 2.36.35
